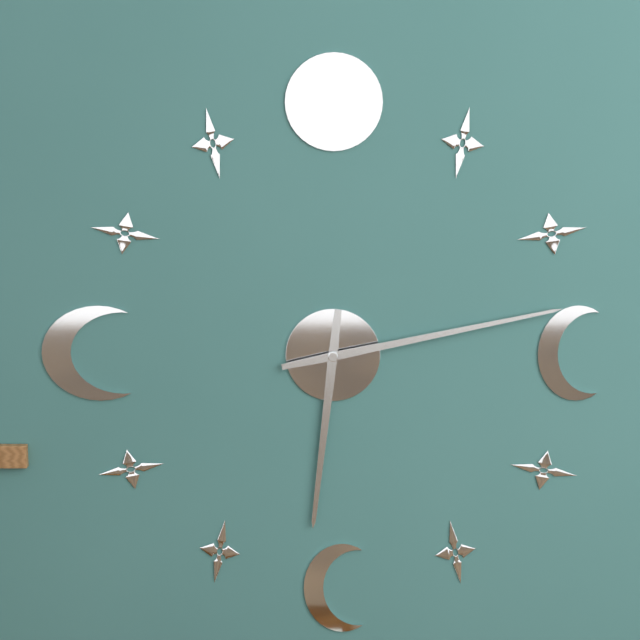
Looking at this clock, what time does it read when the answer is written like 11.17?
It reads 6.13
